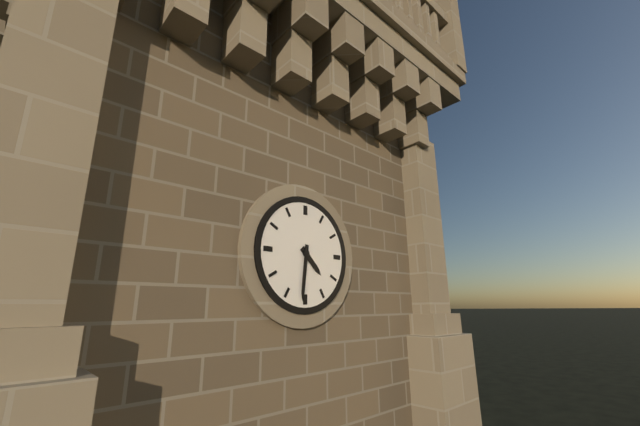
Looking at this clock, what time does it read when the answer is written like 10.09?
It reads 4.31
